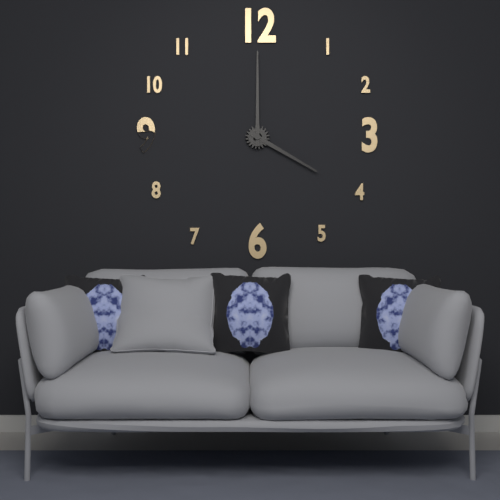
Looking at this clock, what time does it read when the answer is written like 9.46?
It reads 4.00
